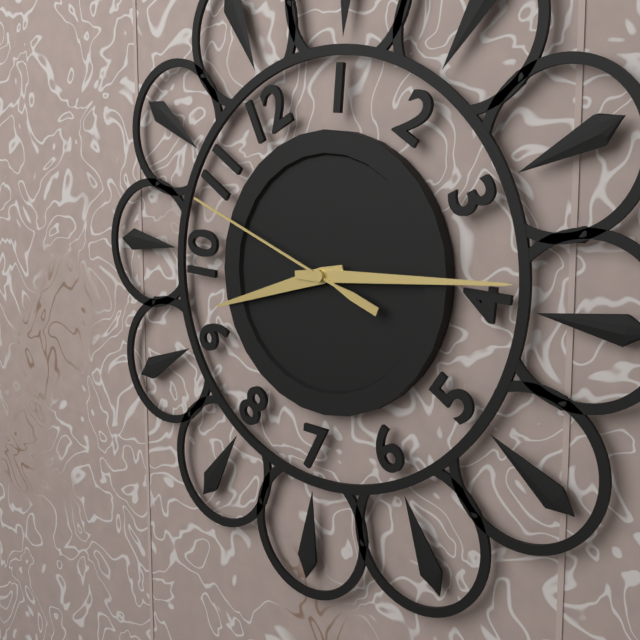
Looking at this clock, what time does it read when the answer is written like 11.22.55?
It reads 9.19.53
